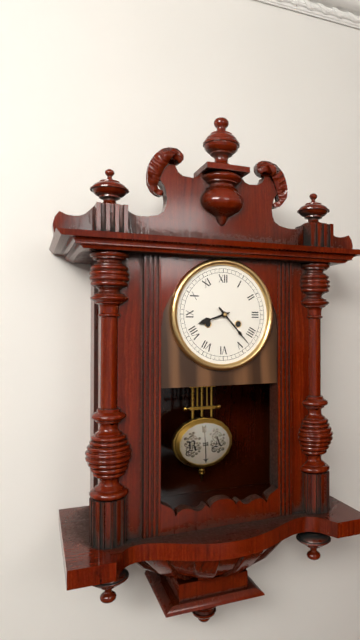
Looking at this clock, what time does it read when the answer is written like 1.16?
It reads 8.23
